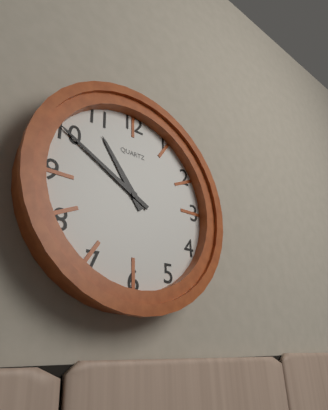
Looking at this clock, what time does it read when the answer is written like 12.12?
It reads 10.50
